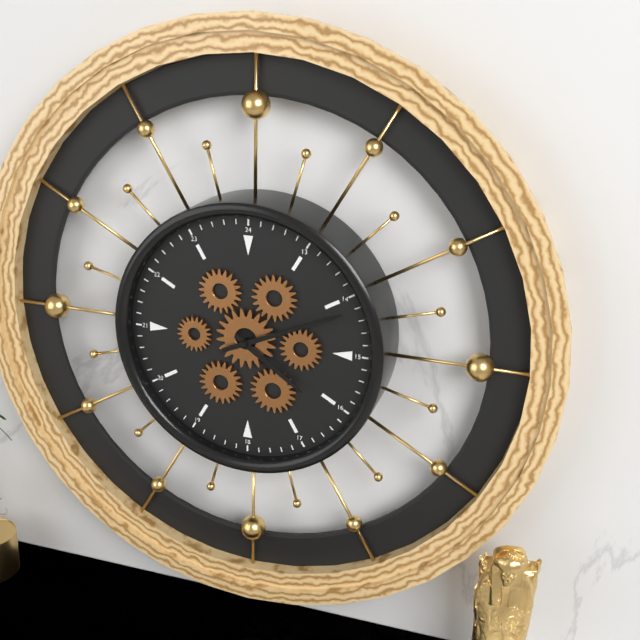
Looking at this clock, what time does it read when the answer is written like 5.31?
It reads 4.11
